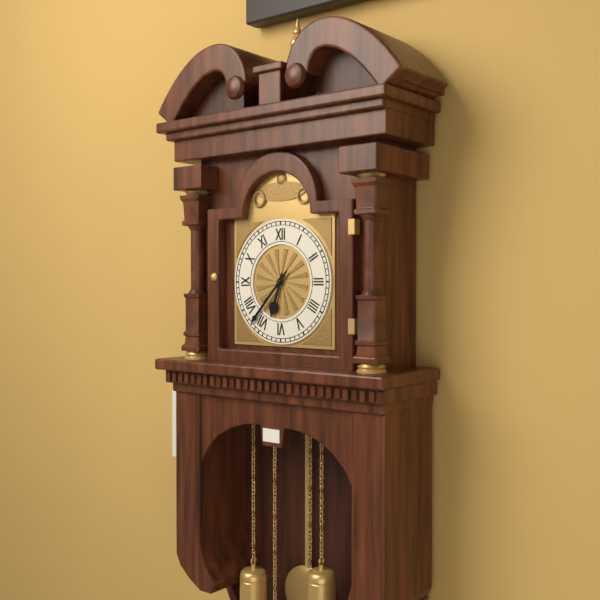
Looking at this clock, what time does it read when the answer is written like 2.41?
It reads 6.37
